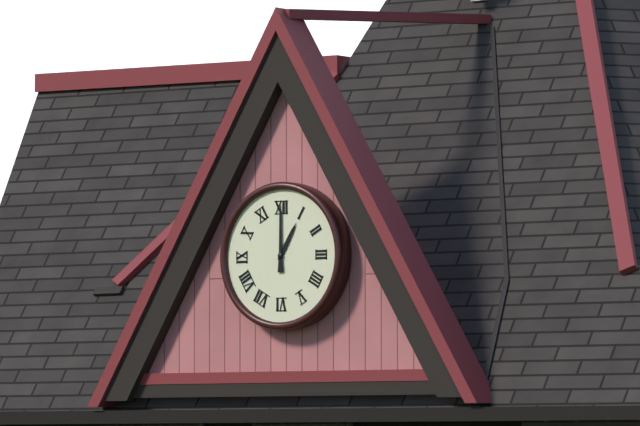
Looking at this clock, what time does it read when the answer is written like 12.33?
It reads 1.00
